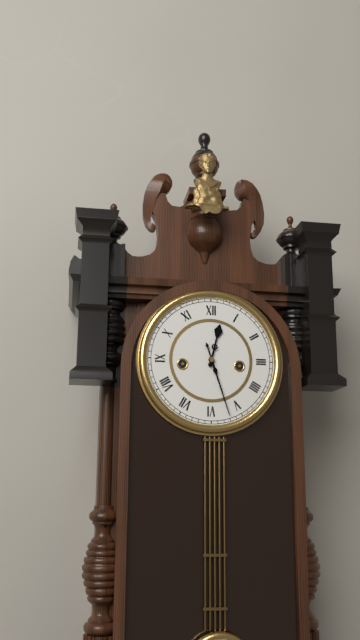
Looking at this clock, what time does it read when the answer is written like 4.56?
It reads 12.27
